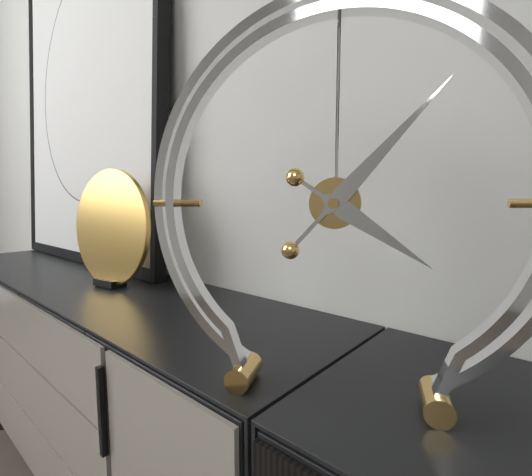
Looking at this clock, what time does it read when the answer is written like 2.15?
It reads 4.07
